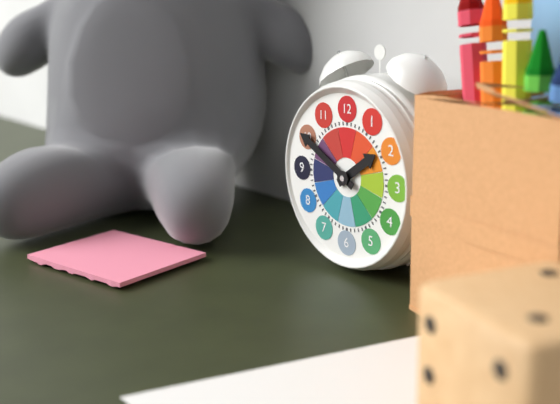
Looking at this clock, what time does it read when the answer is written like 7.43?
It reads 1.50
